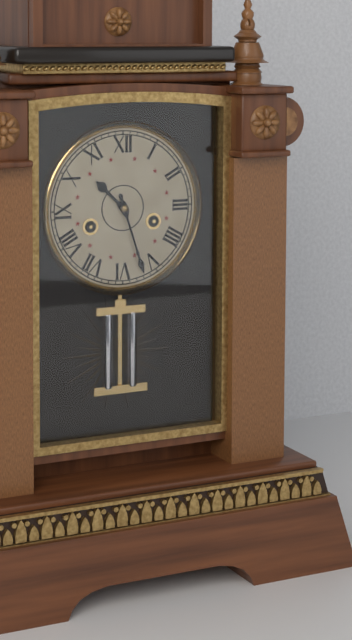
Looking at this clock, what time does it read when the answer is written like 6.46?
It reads 10.27
